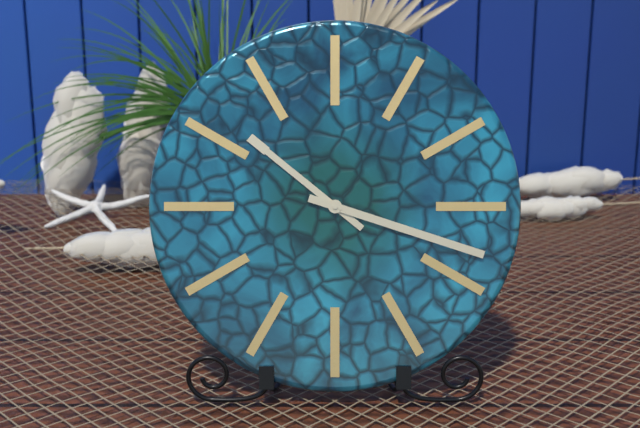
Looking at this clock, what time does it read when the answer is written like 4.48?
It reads 10.18
